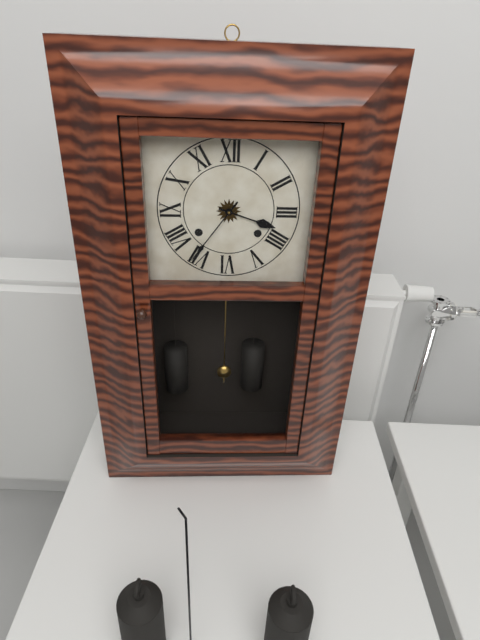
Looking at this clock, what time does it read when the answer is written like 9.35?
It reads 3.36
